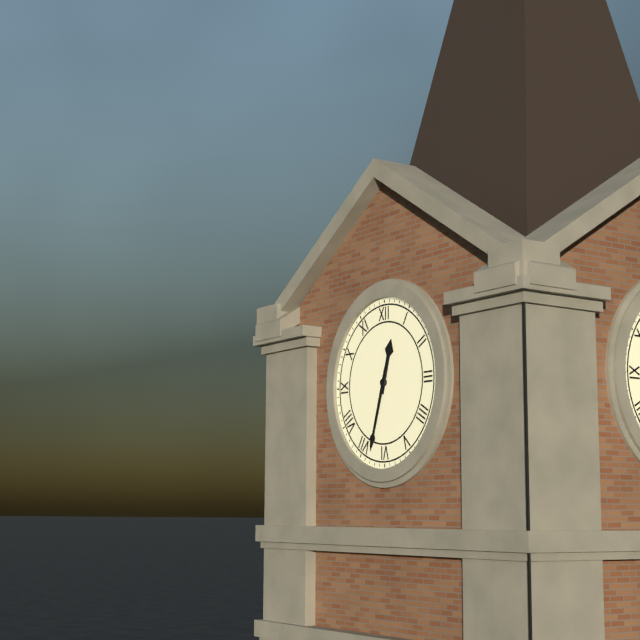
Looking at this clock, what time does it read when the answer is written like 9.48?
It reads 12.33
